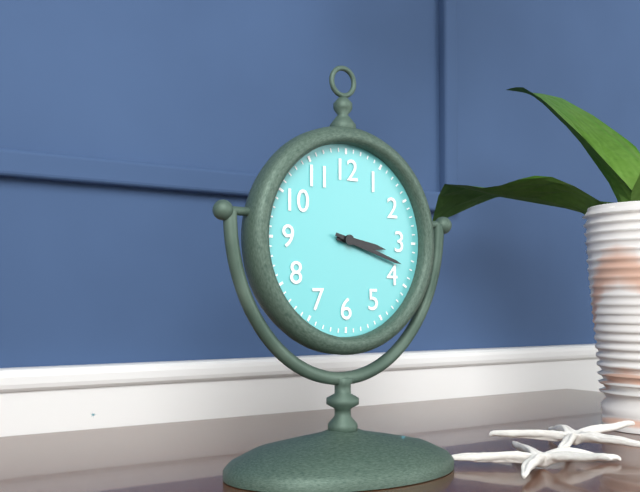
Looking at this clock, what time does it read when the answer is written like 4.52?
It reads 3.18
